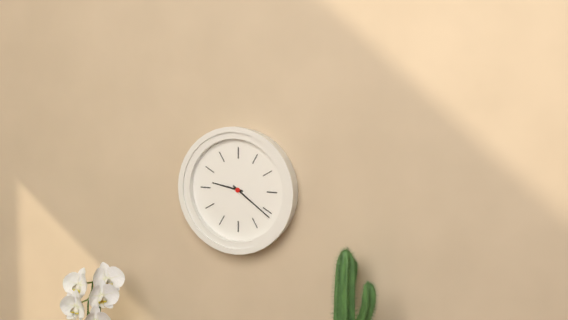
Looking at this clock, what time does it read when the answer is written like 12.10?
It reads 9.21
